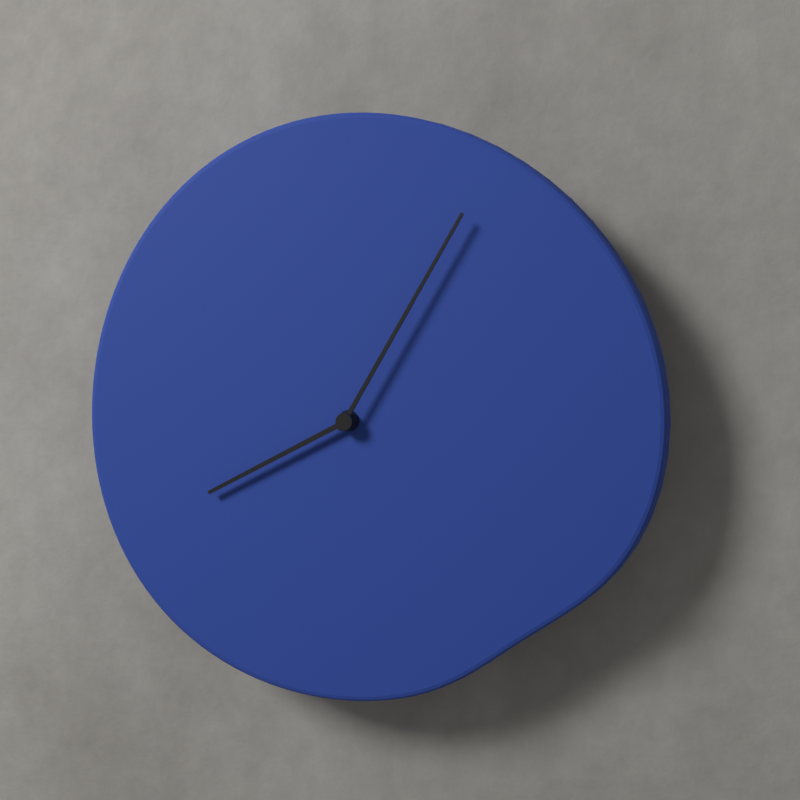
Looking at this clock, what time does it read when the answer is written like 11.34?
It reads 8.05
